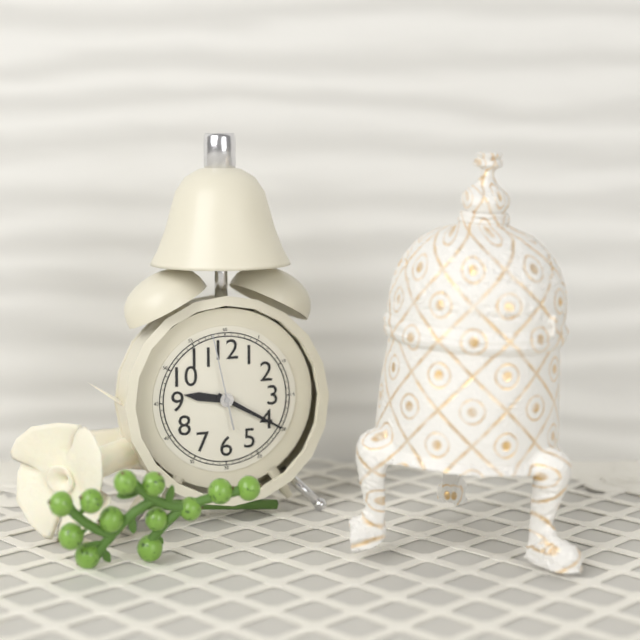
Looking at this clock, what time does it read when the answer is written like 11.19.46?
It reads 9.20.58
